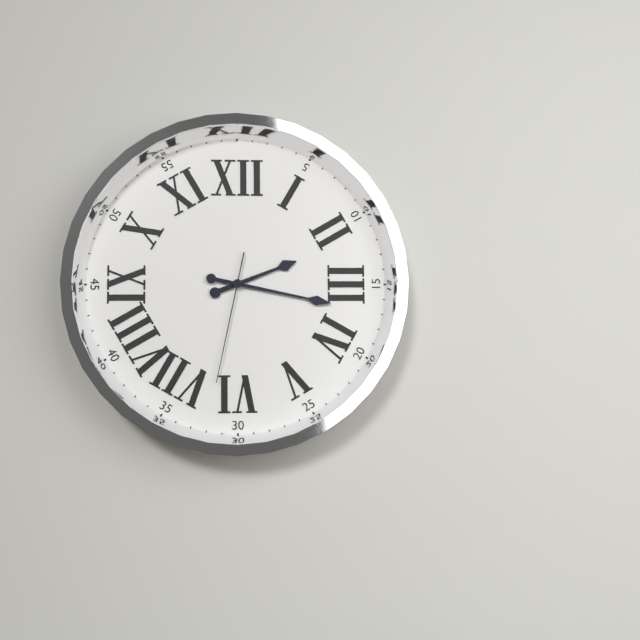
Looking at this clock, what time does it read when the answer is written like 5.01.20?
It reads 2.17.32
